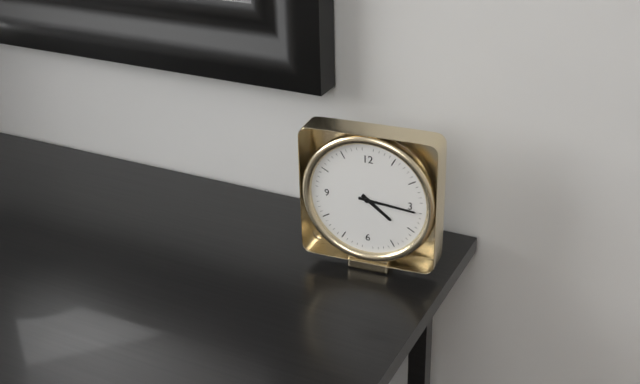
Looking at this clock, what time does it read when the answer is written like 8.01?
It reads 4.16
